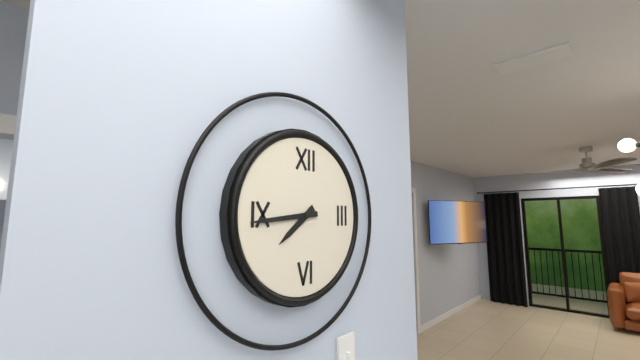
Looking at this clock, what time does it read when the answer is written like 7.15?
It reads 7.44
